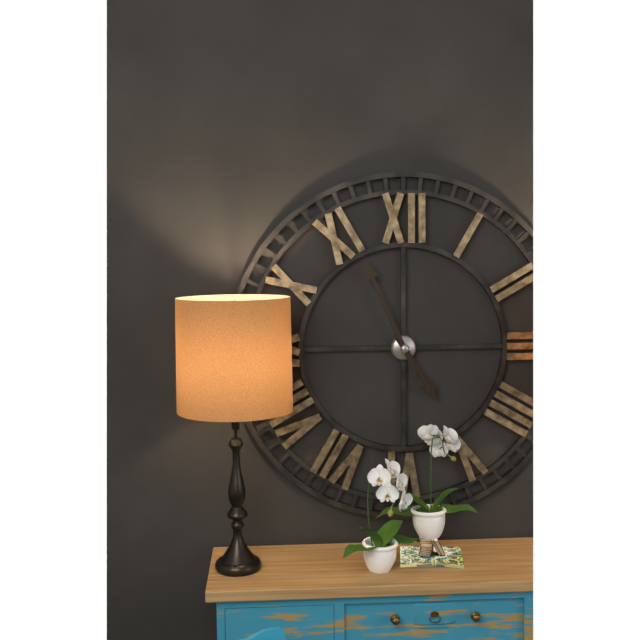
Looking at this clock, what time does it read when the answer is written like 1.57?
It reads 4.56
